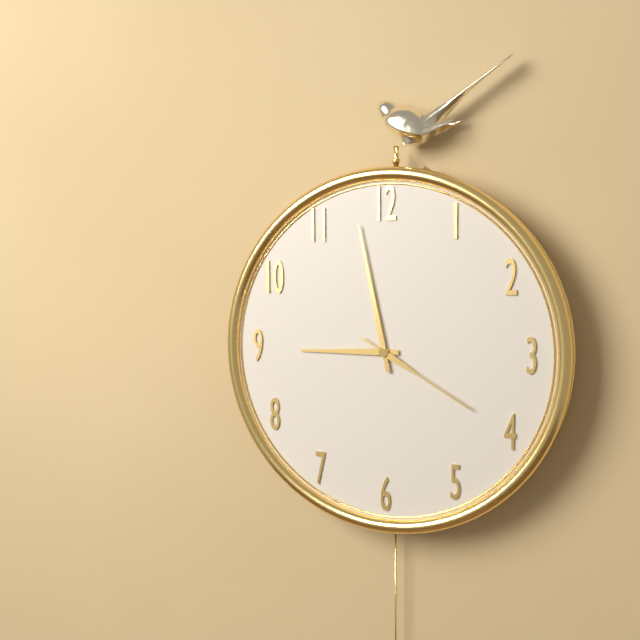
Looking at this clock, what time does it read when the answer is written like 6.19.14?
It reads 8.58.20
